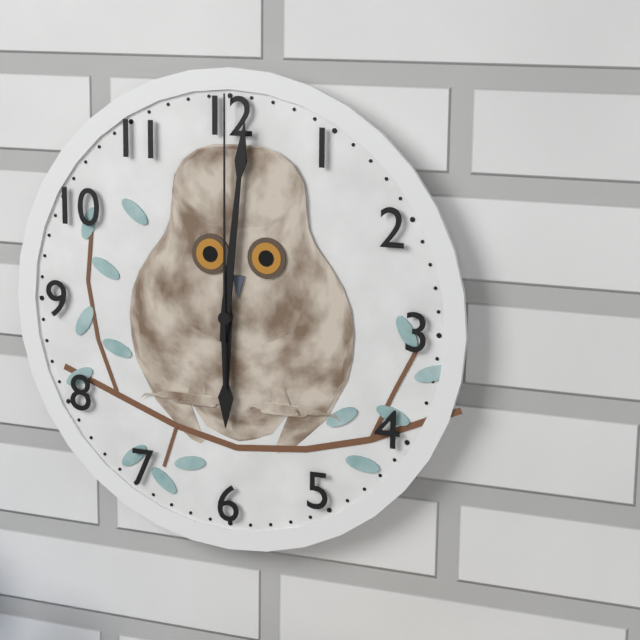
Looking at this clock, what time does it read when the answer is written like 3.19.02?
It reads 6.01.00
